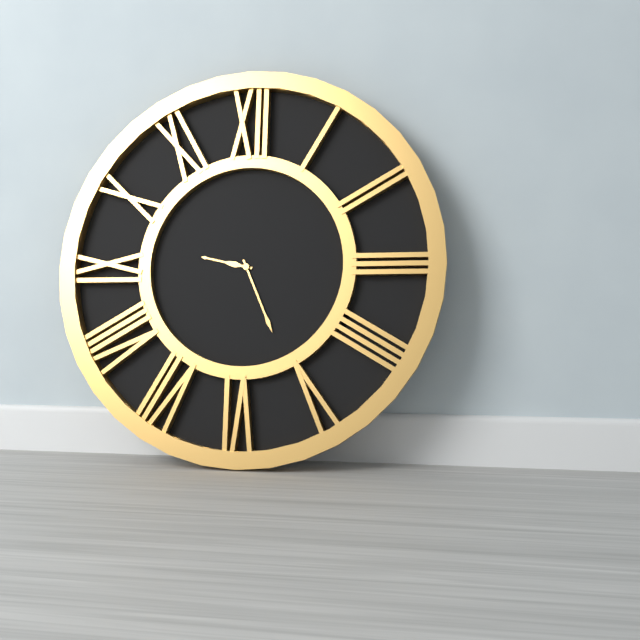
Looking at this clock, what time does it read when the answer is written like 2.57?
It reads 9.26
